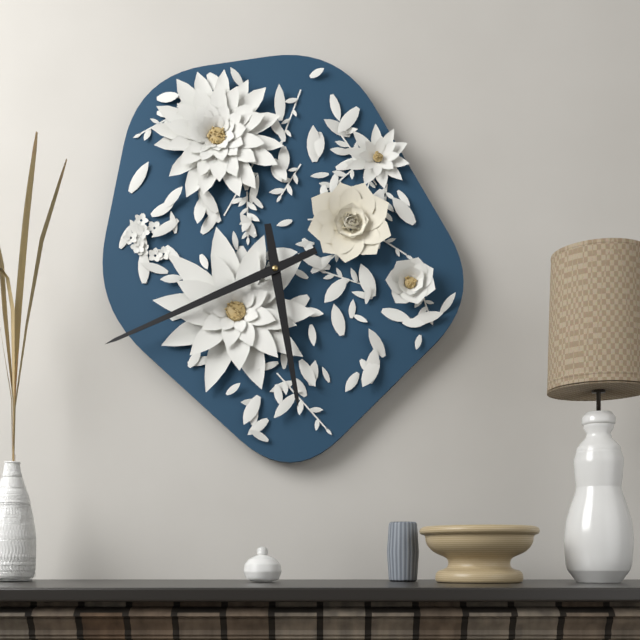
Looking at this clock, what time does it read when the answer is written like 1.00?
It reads 5.41
